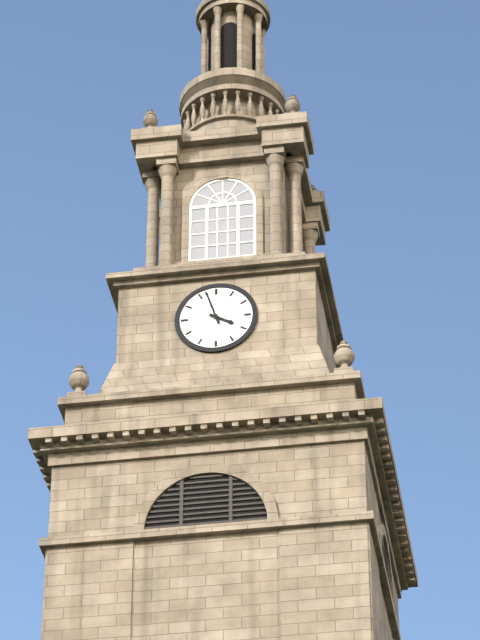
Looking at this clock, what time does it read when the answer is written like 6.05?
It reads 3.57
